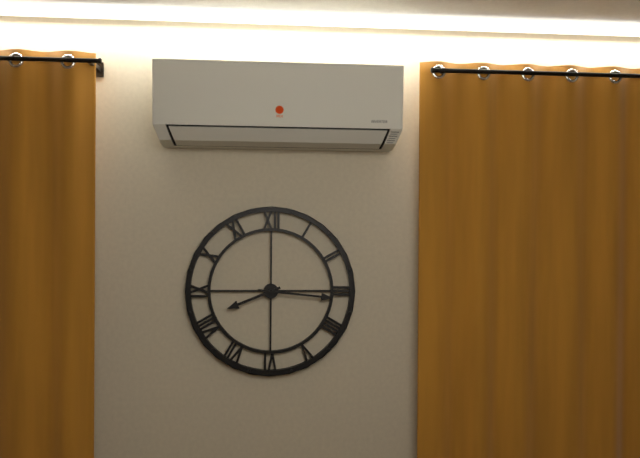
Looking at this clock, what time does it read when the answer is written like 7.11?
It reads 8.16
